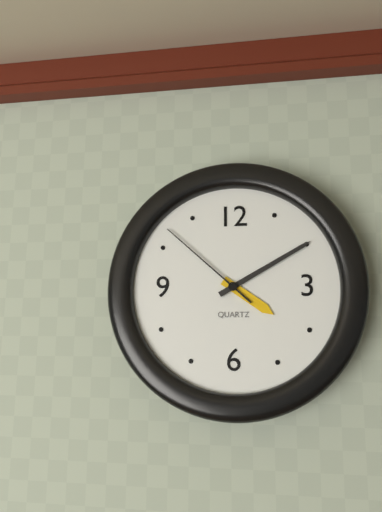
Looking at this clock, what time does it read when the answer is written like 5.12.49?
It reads 4.10.52
